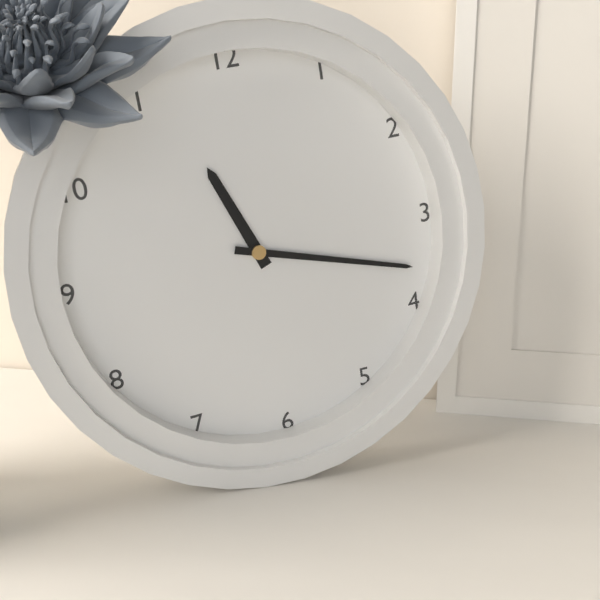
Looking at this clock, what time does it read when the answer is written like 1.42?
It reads 11.18
